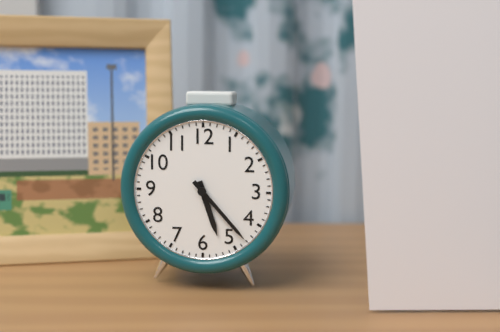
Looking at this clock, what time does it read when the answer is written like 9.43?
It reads 5.23
